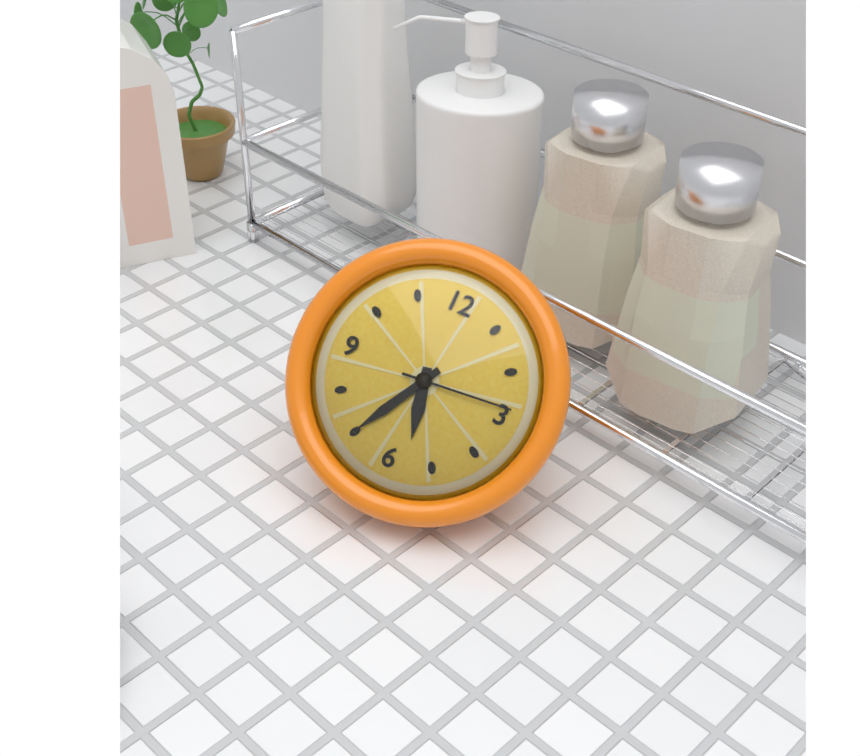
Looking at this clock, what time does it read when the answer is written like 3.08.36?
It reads 5.35.14
